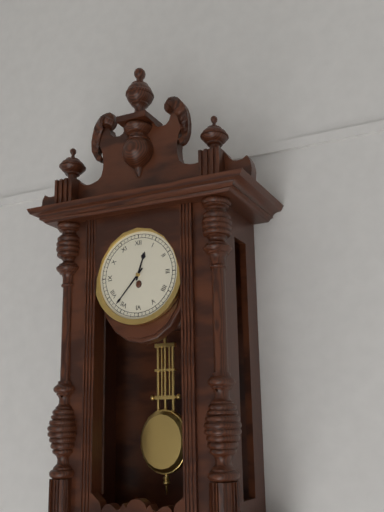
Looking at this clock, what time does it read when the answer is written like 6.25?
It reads 12.37
